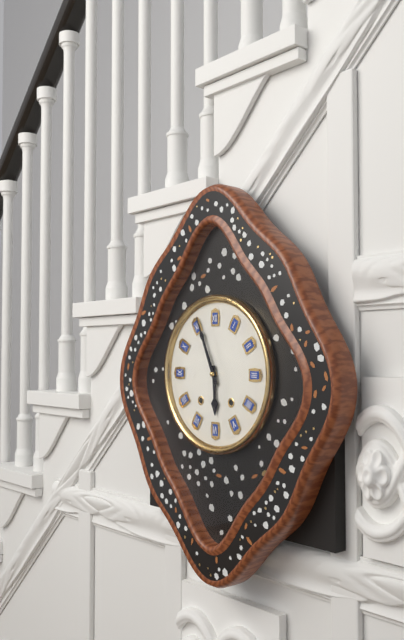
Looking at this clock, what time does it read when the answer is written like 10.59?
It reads 5.56
